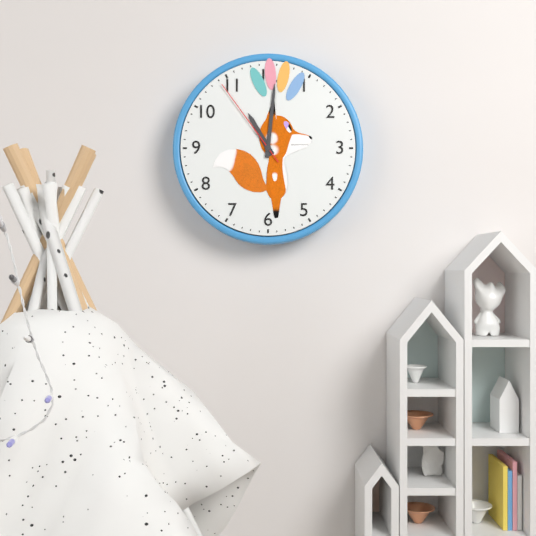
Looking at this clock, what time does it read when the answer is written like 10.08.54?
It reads 11.01.54
